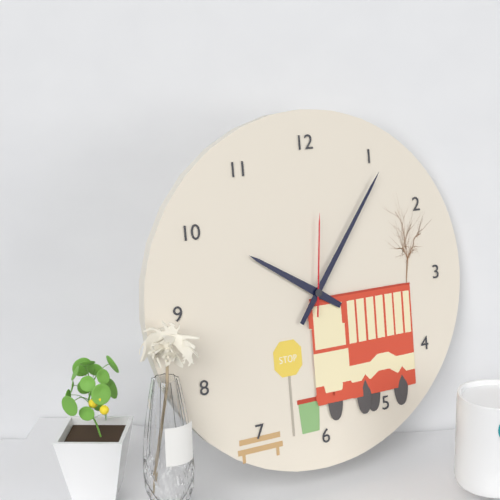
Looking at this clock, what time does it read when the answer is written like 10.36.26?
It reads 10.06.01
